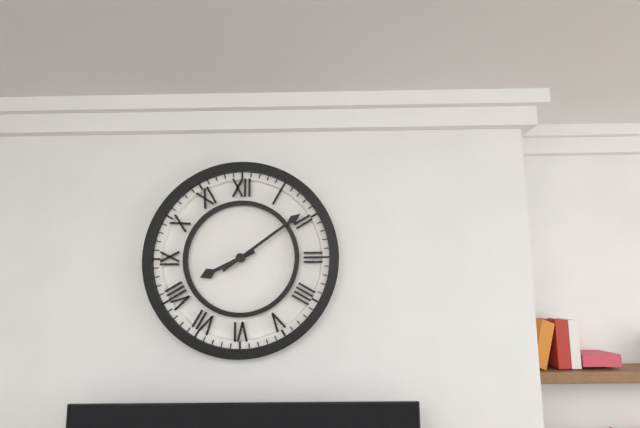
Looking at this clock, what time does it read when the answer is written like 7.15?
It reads 8.09
